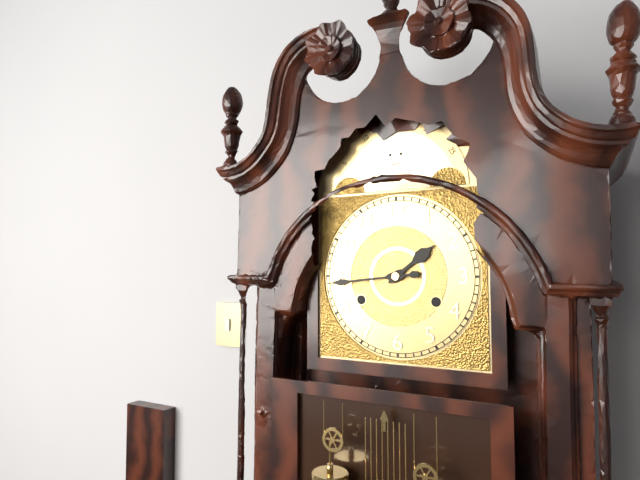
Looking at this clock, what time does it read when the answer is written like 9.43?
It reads 1.44
